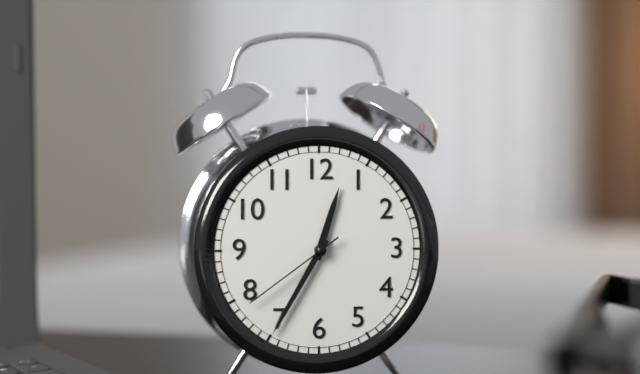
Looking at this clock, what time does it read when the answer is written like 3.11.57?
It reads 12.35.39
